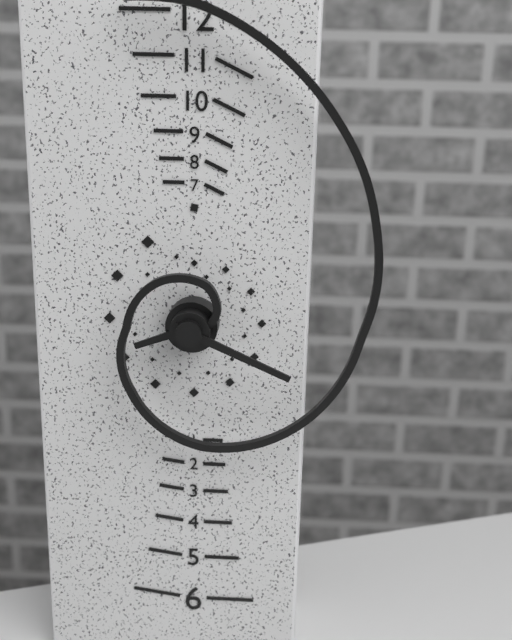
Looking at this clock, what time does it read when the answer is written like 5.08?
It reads 8.19
